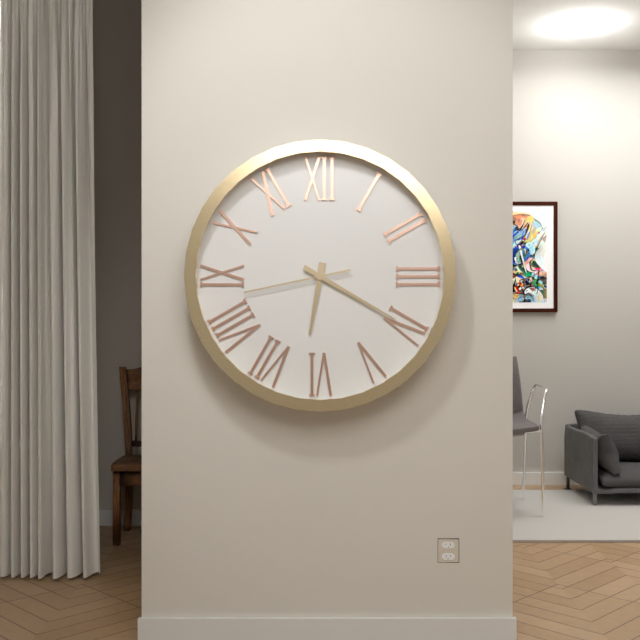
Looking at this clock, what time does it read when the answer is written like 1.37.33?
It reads 6.20.43
